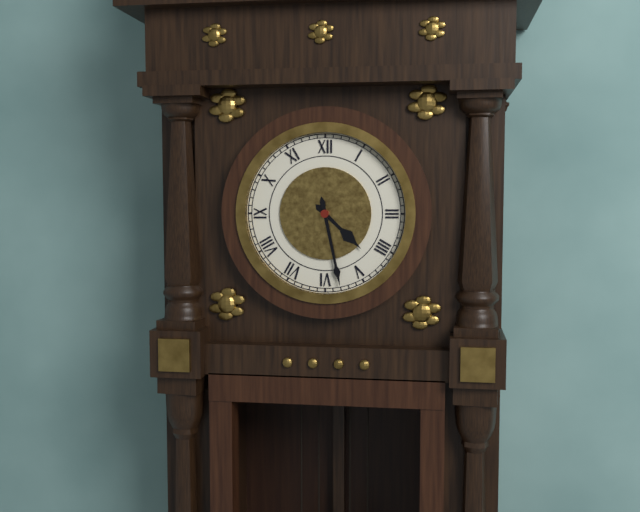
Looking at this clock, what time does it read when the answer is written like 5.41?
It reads 4.28
